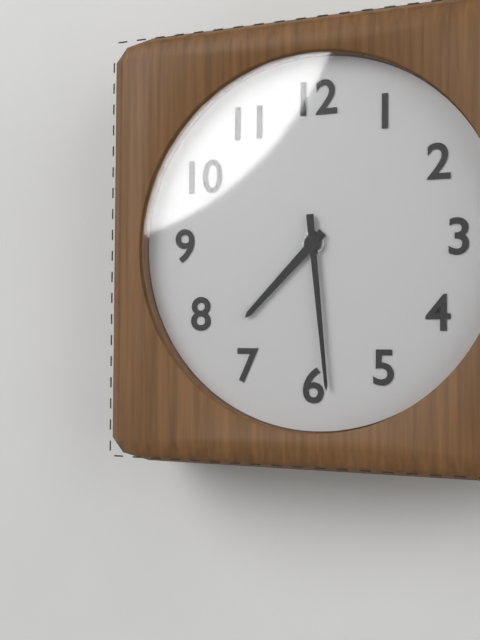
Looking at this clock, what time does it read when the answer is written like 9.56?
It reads 7.29
